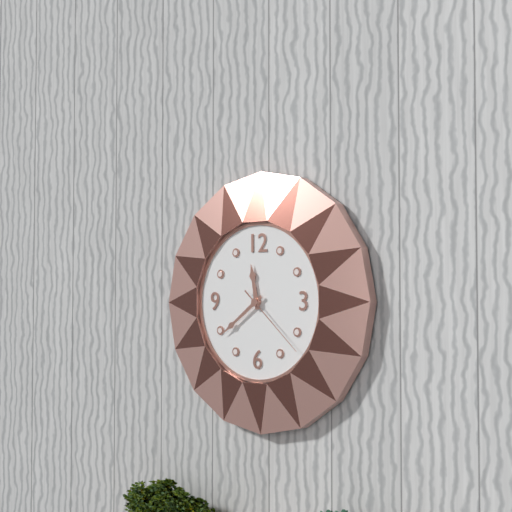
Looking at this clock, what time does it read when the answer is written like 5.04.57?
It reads 11.39.22
